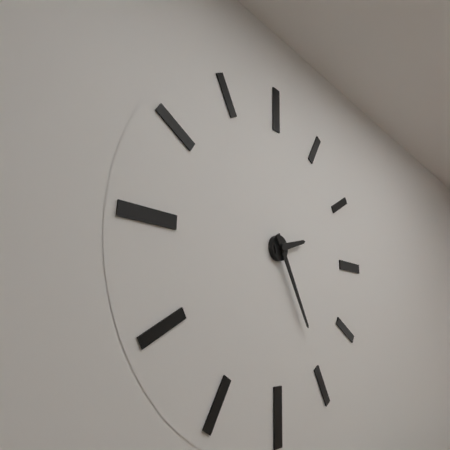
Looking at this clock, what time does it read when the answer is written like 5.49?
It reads 2.25
